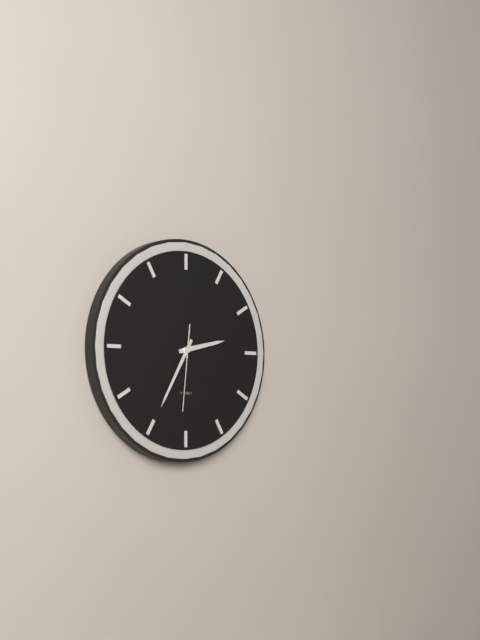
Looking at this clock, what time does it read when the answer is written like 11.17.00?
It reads 2.35.31
